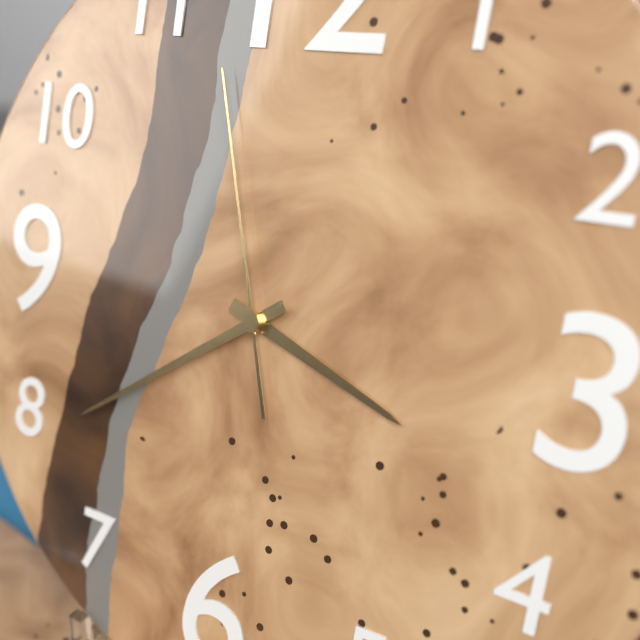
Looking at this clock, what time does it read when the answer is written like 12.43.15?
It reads 3.39.57
